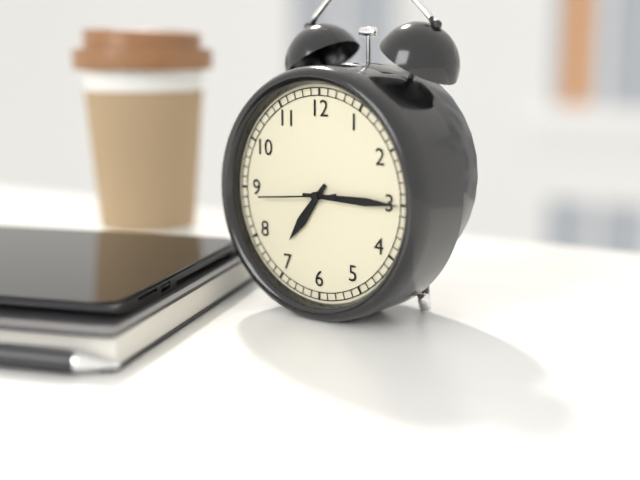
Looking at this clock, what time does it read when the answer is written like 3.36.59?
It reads 7.15.44
